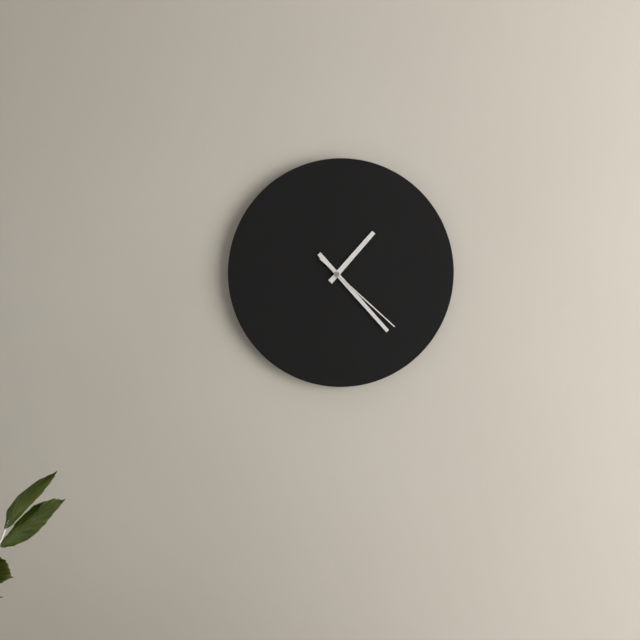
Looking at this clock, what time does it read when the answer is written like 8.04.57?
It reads 1.23.22
